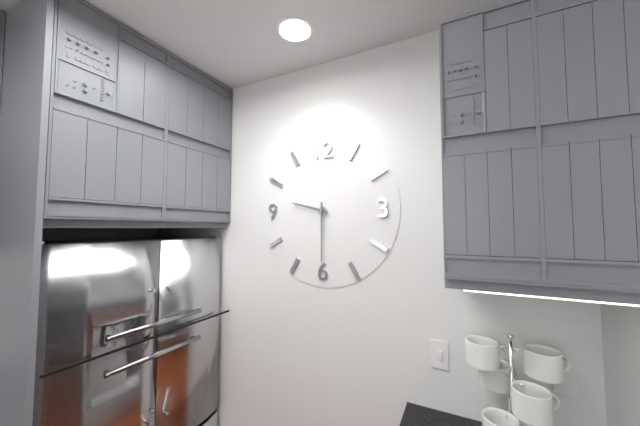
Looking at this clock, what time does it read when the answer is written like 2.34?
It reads 9.30
